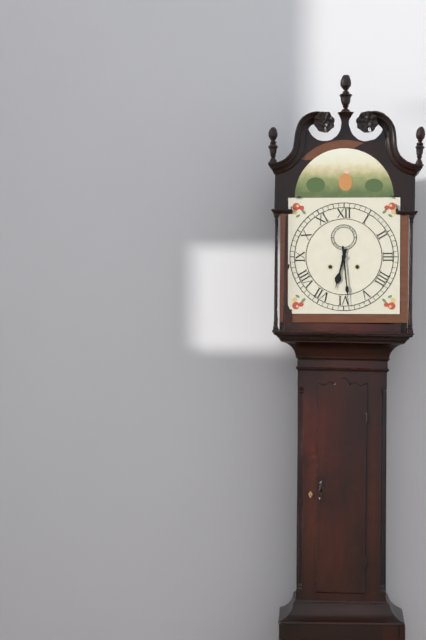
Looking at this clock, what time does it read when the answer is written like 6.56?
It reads 6.29
